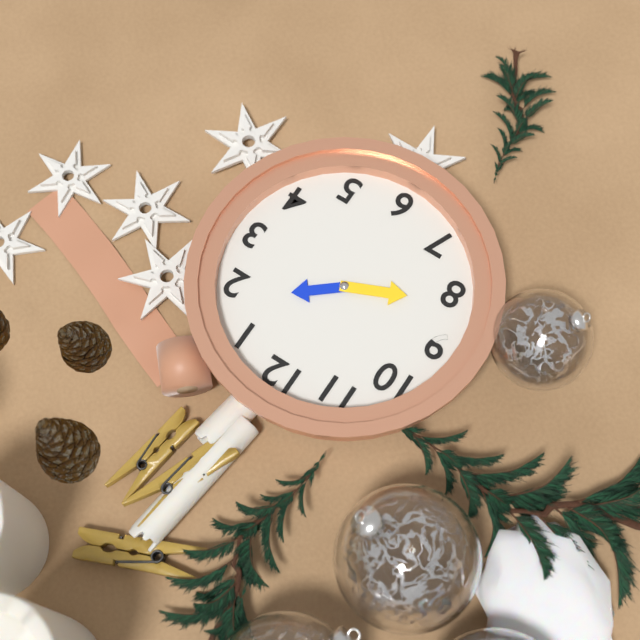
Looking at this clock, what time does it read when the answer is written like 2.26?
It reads 1.41
